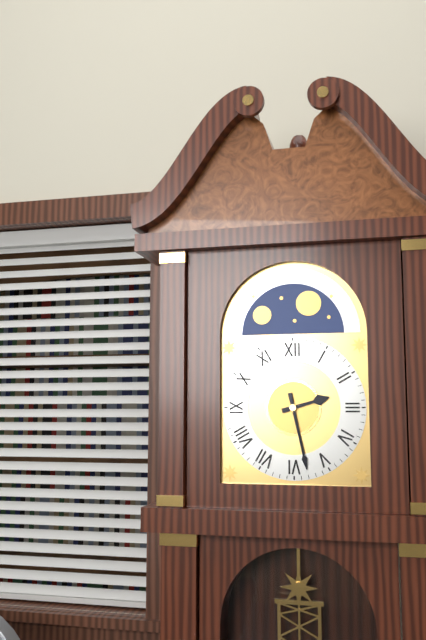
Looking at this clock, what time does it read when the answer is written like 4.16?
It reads 2.28
